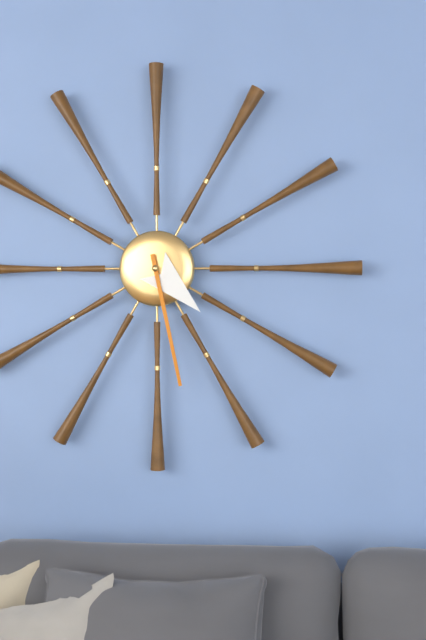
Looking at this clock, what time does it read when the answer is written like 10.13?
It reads 4.28
